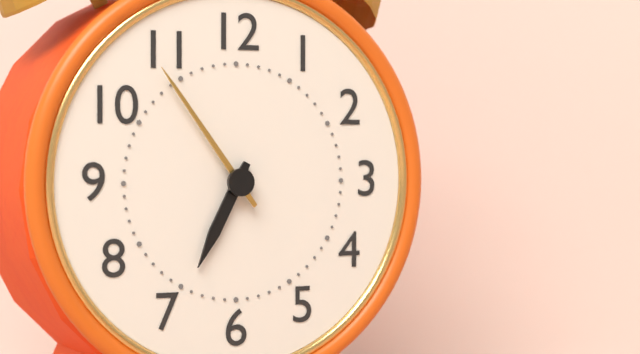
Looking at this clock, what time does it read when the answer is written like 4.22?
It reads 6.54
